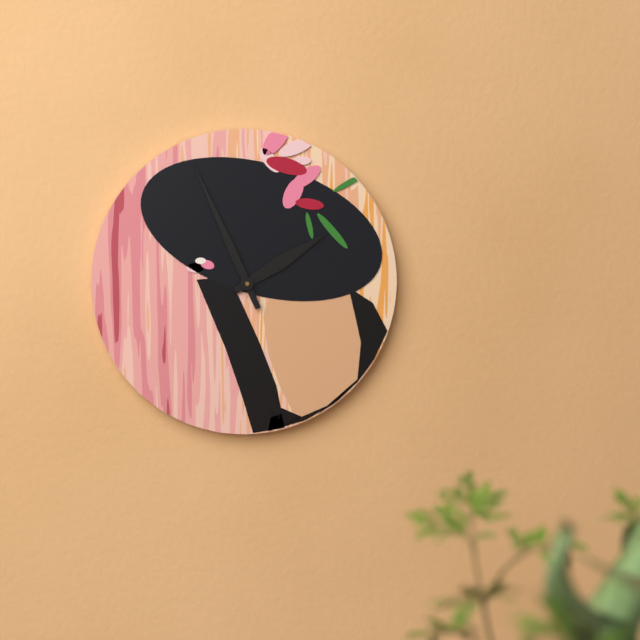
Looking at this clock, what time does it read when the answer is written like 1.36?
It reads 1.56
